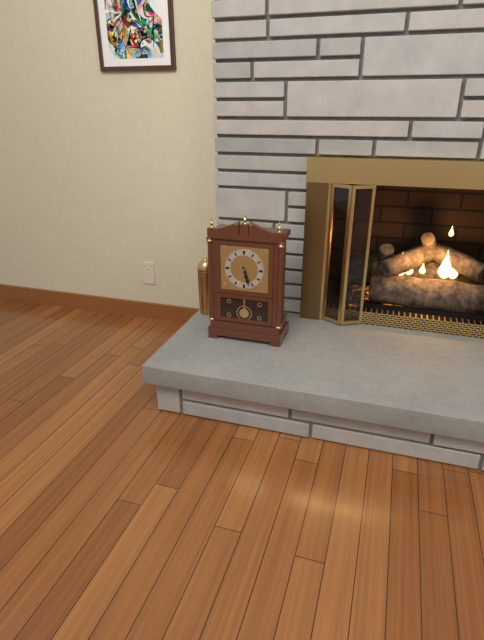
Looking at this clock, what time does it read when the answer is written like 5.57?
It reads 5.27
